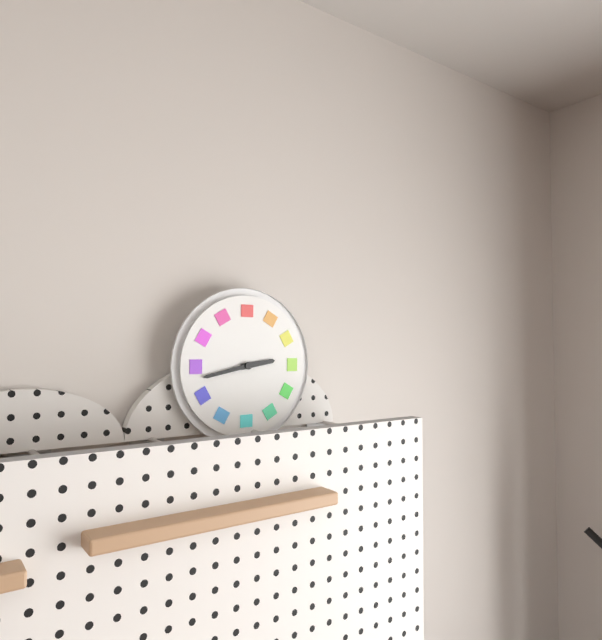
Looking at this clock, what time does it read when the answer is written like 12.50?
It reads 2.43
